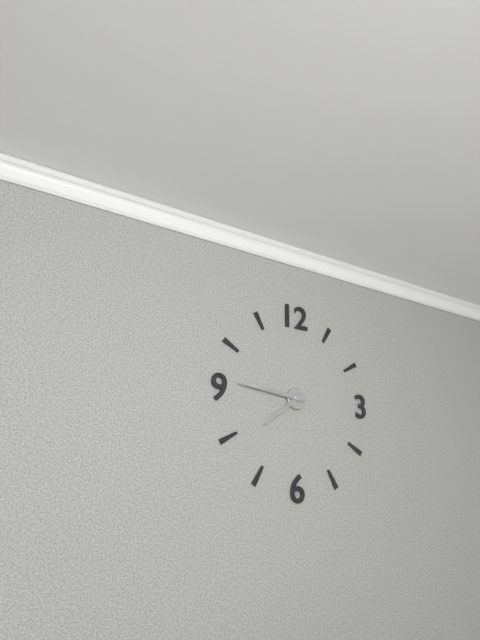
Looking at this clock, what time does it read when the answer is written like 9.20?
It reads 7.46
